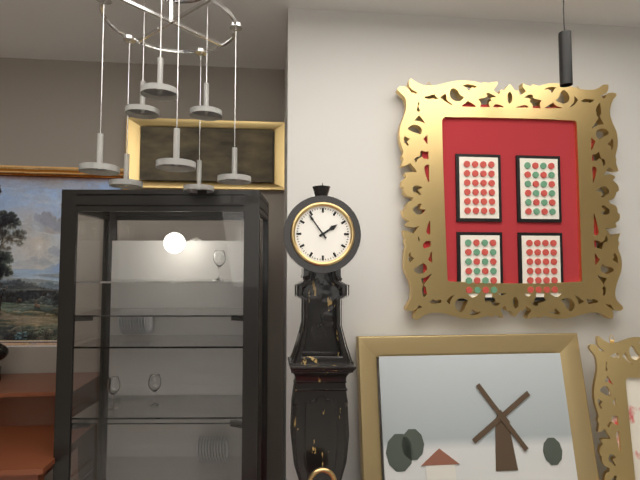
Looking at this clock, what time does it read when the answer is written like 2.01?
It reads 1.54
